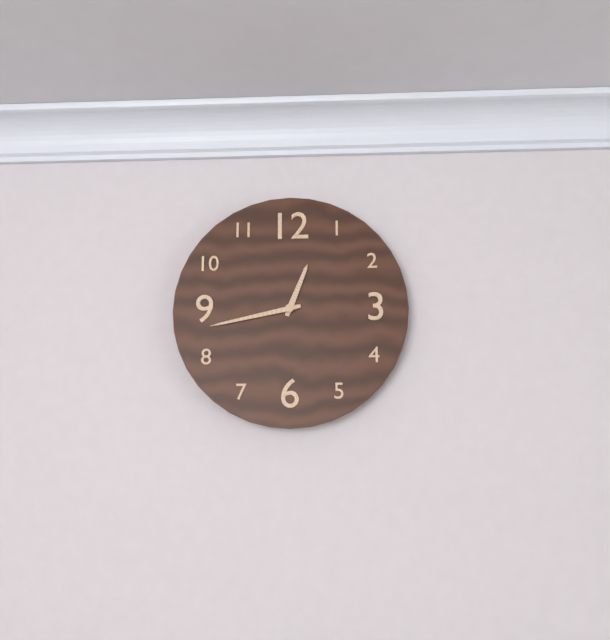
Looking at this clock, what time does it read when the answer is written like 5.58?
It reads 12.43
